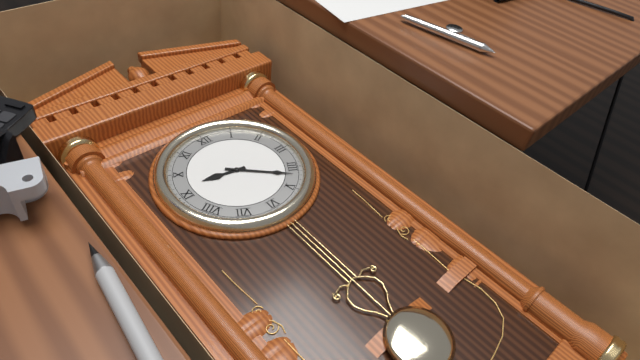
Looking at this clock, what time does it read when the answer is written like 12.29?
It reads 9.22
